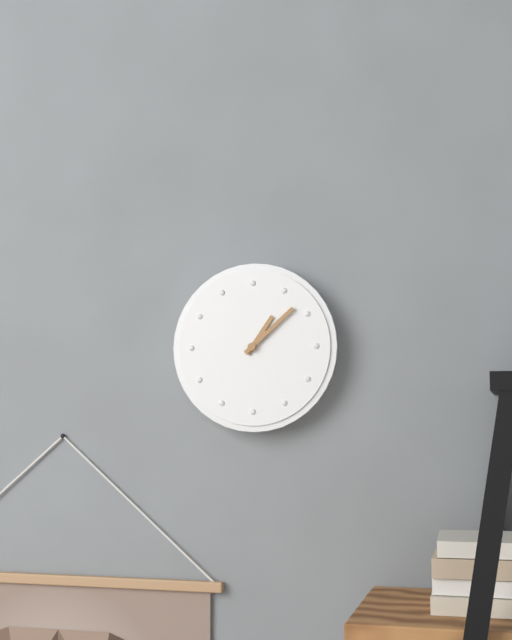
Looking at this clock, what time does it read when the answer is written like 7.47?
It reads 1.08
